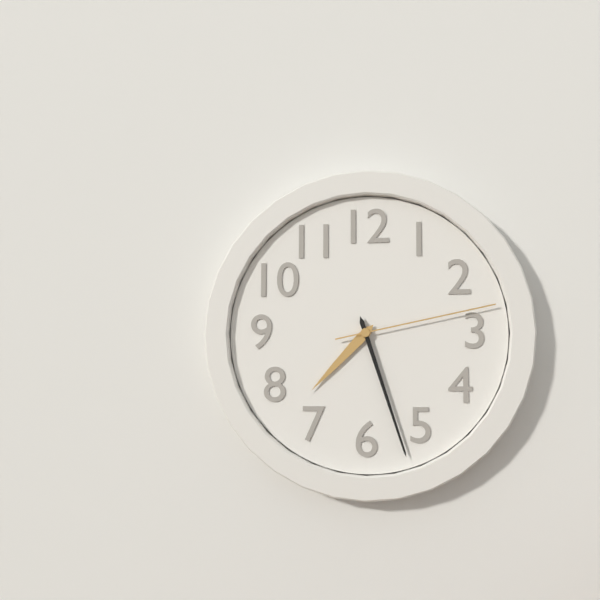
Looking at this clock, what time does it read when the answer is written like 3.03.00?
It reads 7.27.13
